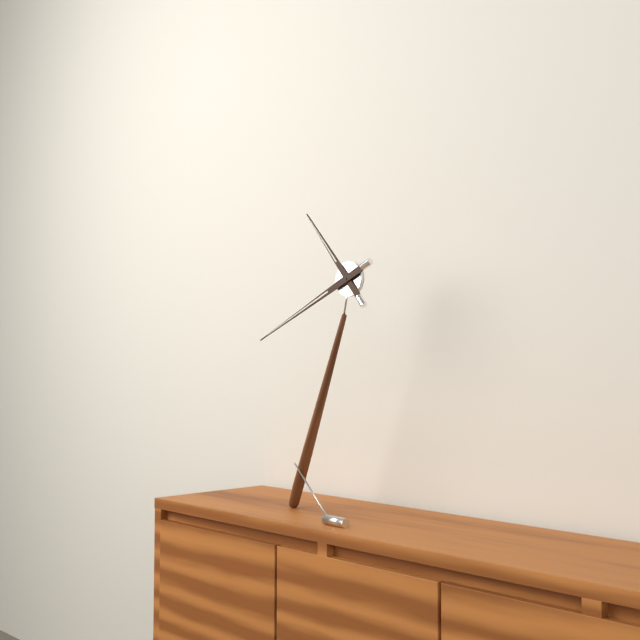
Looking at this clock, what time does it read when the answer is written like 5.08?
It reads 10.41
